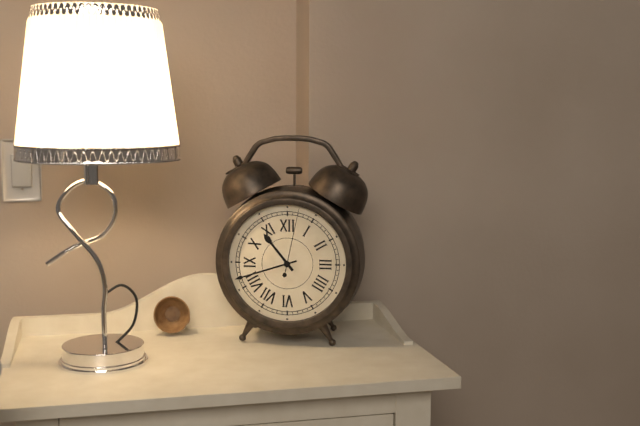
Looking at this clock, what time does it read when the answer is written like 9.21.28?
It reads 10.42.02
